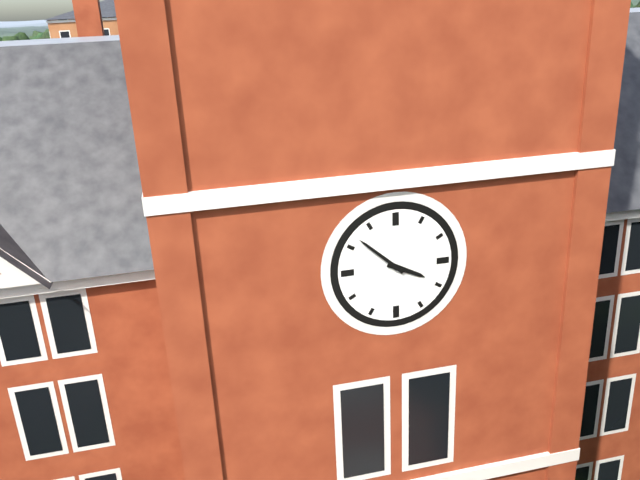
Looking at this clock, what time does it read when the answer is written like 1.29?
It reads 3.52
